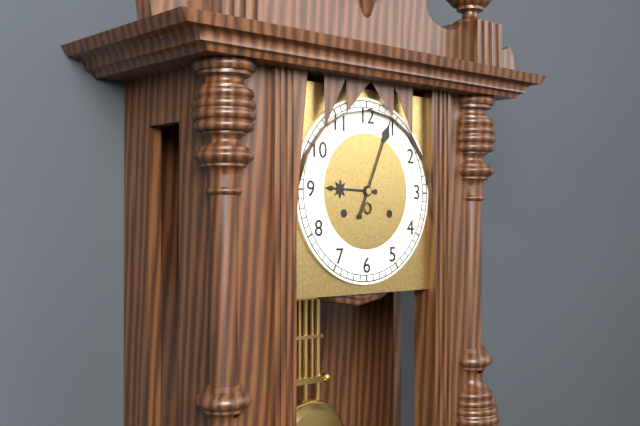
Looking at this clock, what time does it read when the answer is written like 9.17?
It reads 9.04
